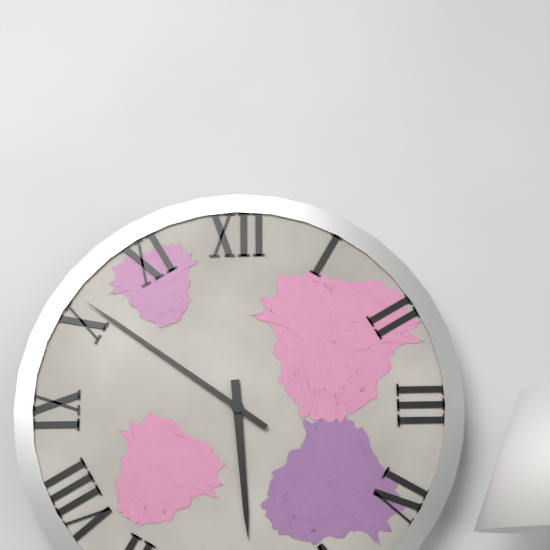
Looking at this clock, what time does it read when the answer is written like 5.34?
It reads 5.51
